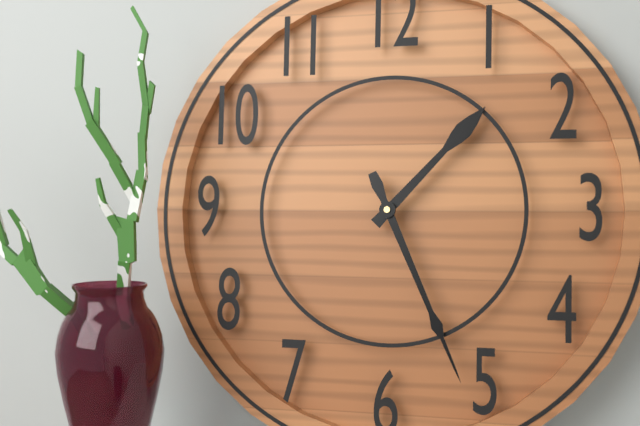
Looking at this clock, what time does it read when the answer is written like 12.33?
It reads 1.26
